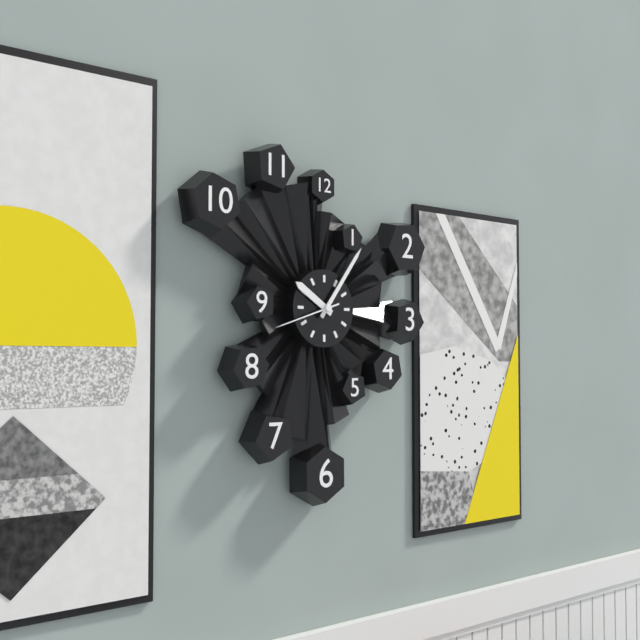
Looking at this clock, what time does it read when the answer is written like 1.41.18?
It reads 10.06.42
